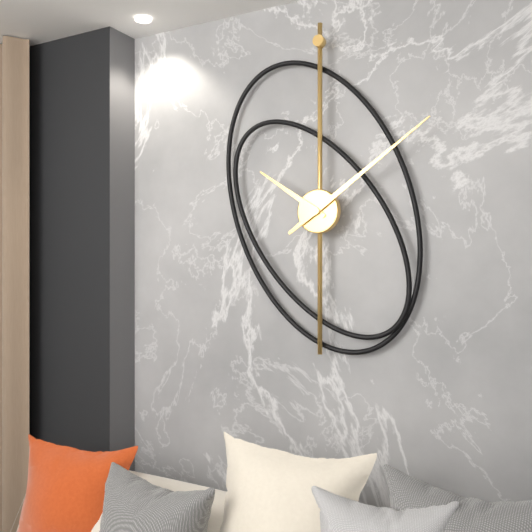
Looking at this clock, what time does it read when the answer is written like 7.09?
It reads 10.09
